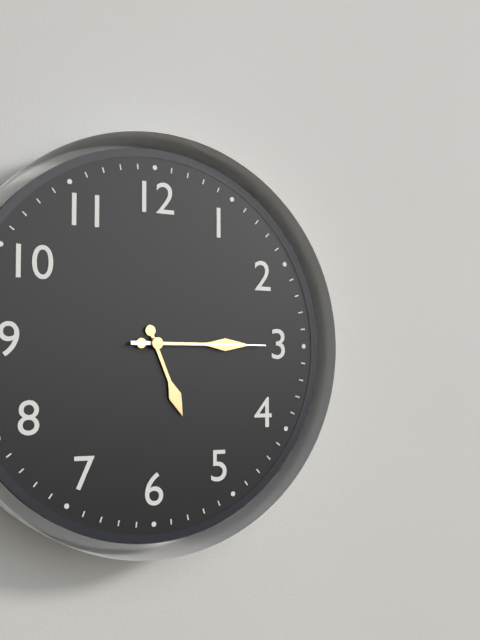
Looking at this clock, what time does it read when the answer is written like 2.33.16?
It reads 5.15.15
